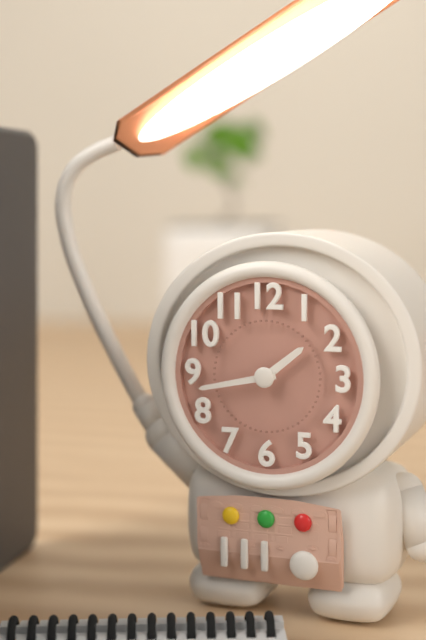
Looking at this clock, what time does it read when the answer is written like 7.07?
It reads 1.43
